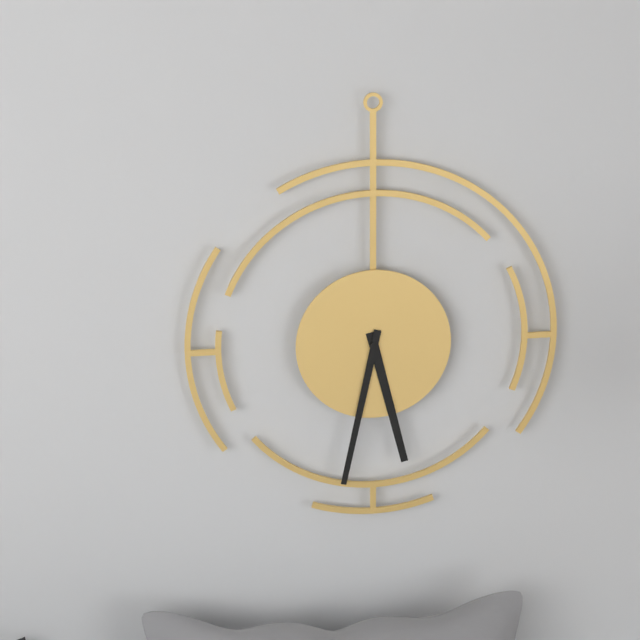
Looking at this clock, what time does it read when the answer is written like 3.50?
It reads 5.32
